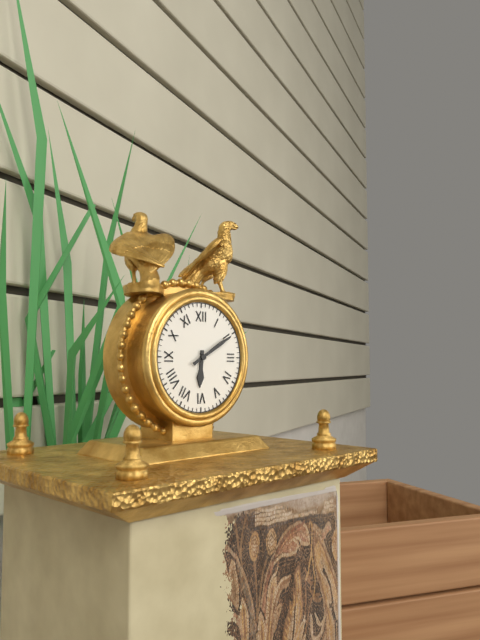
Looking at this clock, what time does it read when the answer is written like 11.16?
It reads 6.10
